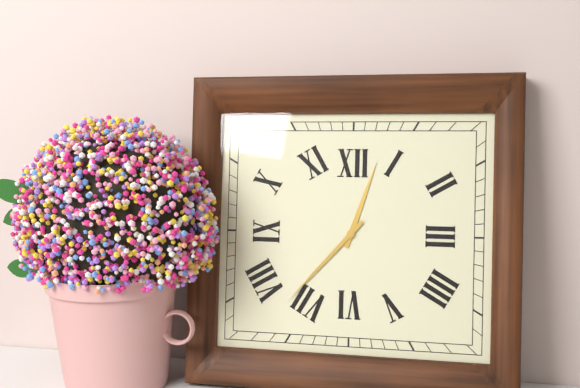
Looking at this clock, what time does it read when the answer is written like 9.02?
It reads 12.37
